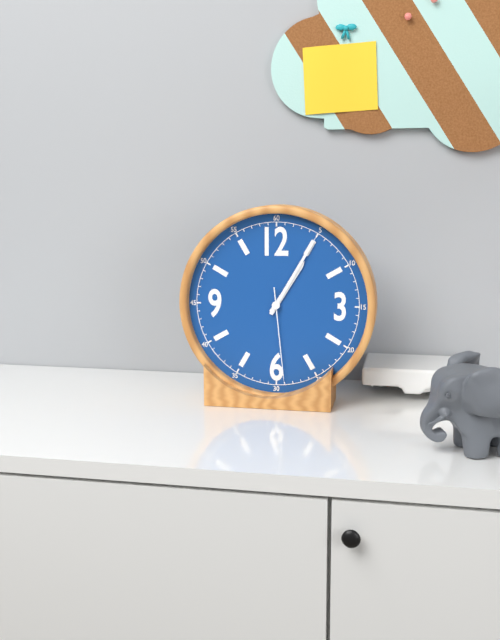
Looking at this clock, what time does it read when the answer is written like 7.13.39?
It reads 1.05.29
